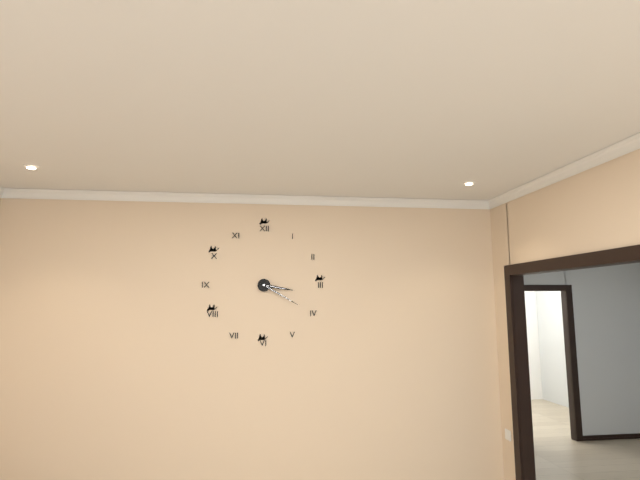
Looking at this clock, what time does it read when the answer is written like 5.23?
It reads 3.20
